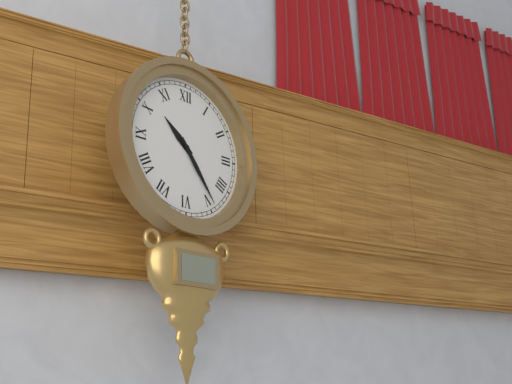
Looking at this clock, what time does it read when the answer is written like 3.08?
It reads 10.24
